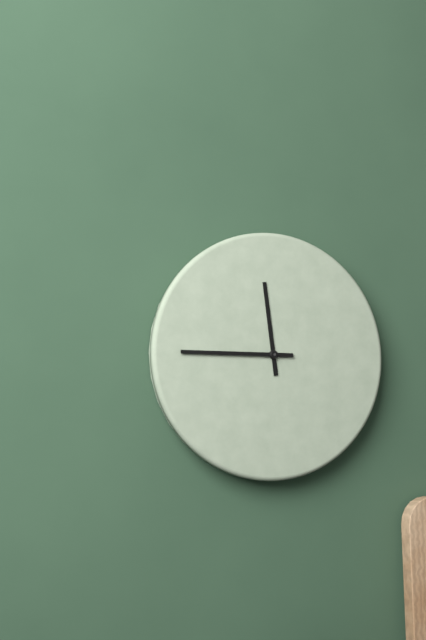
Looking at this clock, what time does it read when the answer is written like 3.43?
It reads 11.45
